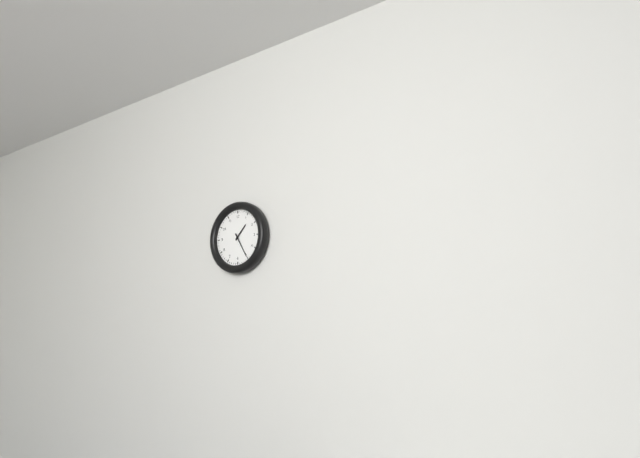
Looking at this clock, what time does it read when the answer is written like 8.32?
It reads 1.25
